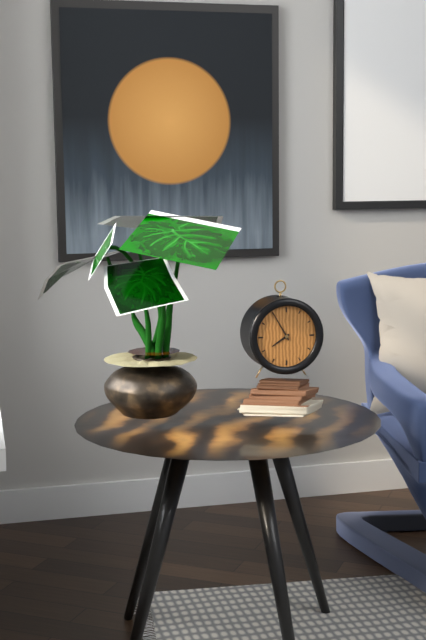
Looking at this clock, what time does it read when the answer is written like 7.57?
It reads 7.55
